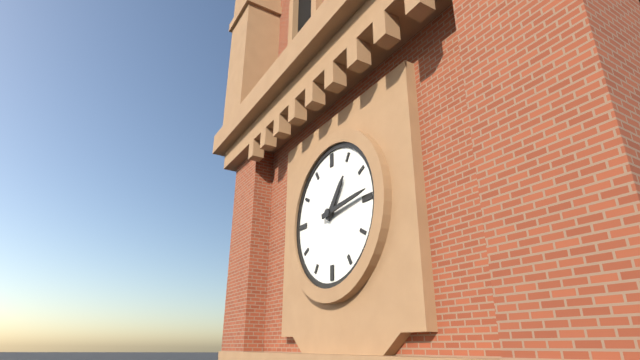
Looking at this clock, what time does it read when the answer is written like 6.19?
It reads 1.14
